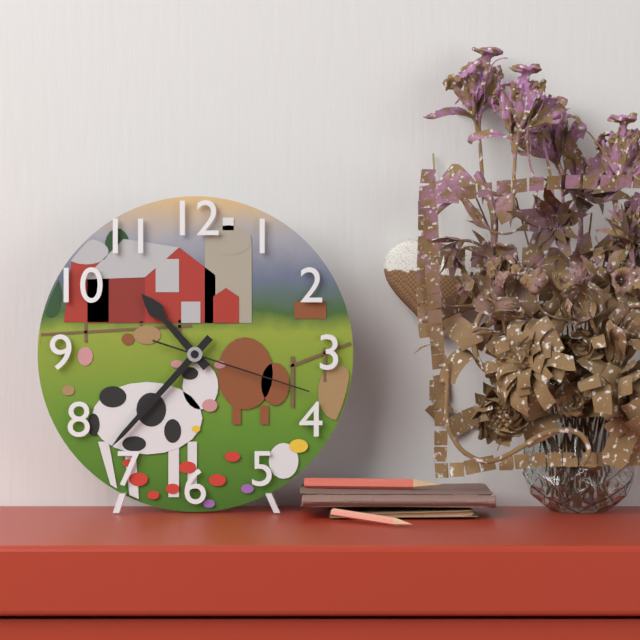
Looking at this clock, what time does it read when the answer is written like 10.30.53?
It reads 10.37.18
